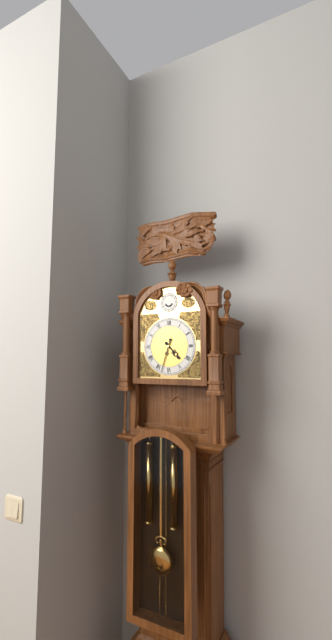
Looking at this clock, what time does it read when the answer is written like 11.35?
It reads 4.33
